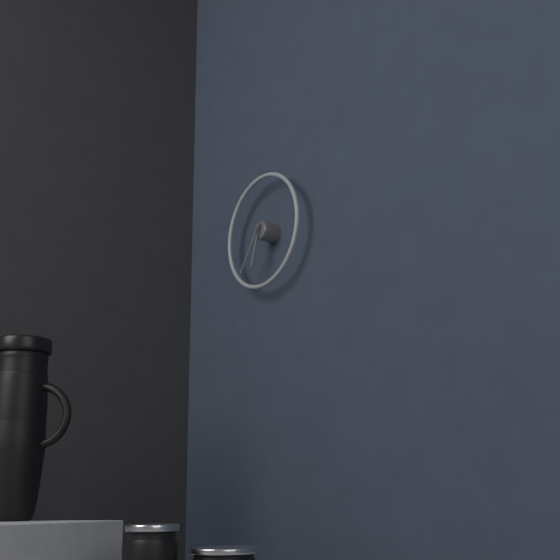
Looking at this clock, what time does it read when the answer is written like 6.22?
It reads 6.36
